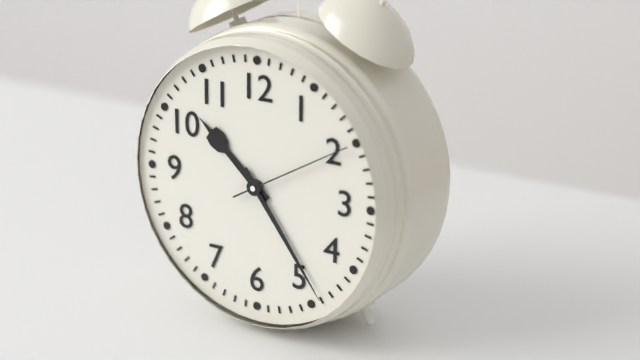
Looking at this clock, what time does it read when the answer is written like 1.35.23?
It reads 10.24.10
